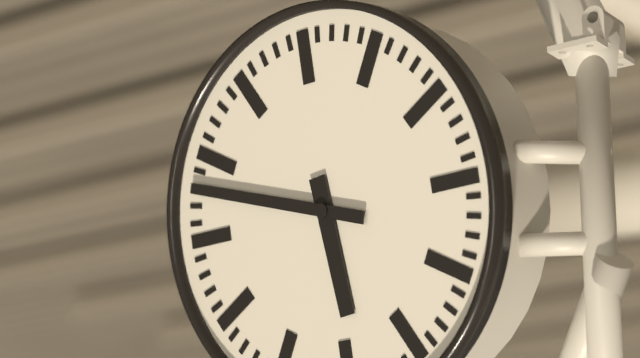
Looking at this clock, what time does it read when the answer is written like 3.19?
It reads 5.48
